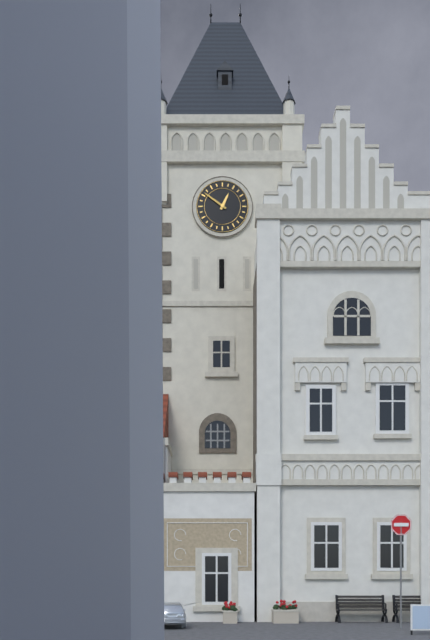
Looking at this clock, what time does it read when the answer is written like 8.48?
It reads 12.51
